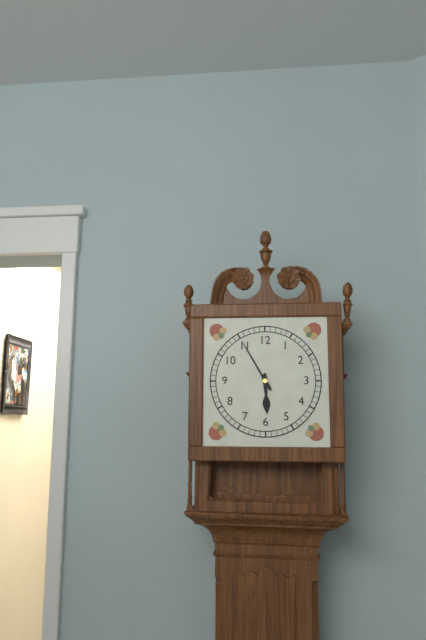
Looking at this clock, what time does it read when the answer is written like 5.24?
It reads 5.55
